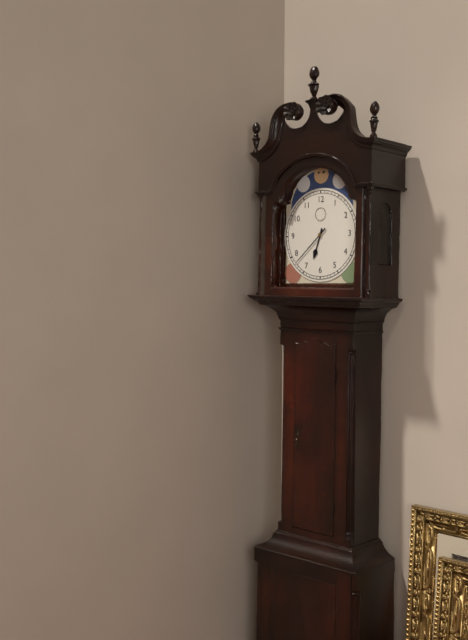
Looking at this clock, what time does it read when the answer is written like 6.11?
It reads 6.38
